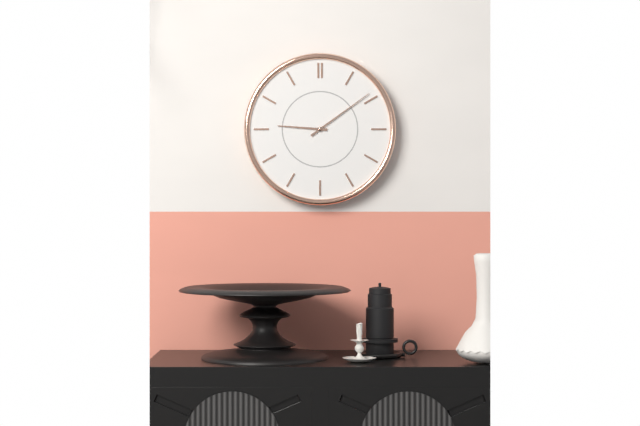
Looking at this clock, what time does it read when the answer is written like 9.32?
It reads 9.09
